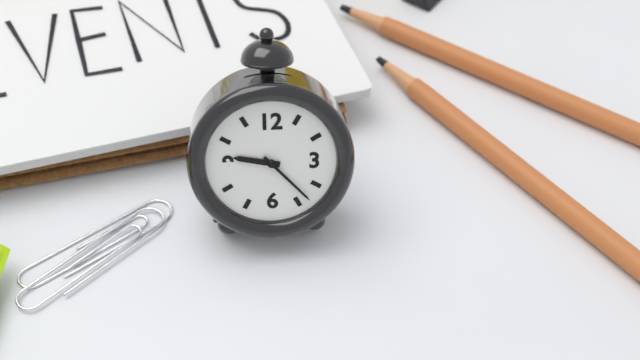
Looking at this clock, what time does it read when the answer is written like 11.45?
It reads 9.23
